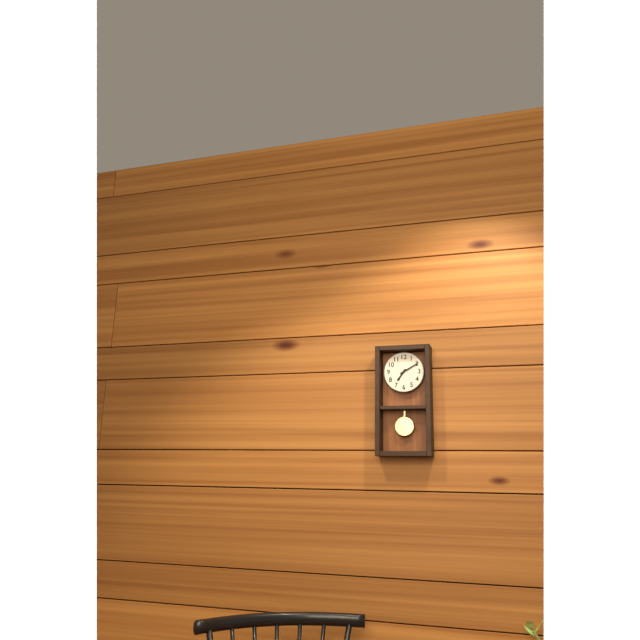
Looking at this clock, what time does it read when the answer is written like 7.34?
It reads 7.10
